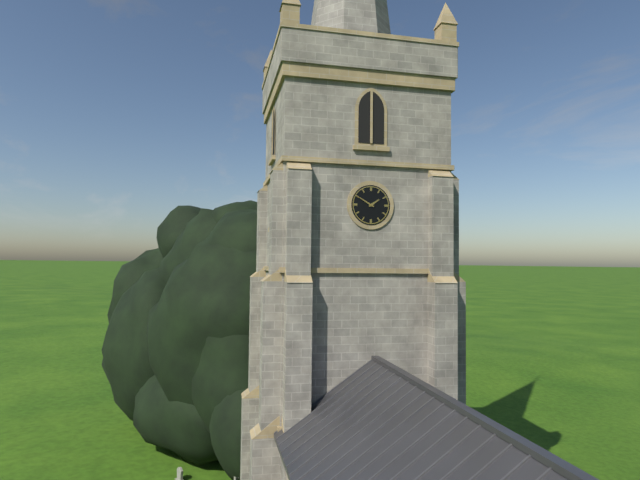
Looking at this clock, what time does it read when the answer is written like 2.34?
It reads 1.50
